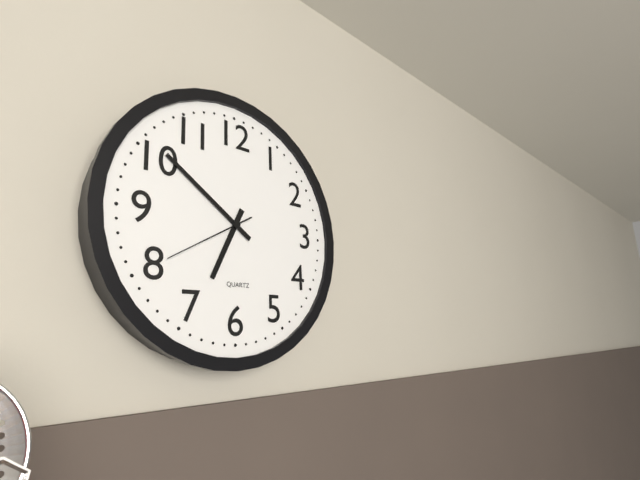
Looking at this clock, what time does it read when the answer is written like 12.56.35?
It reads 6.51.40
